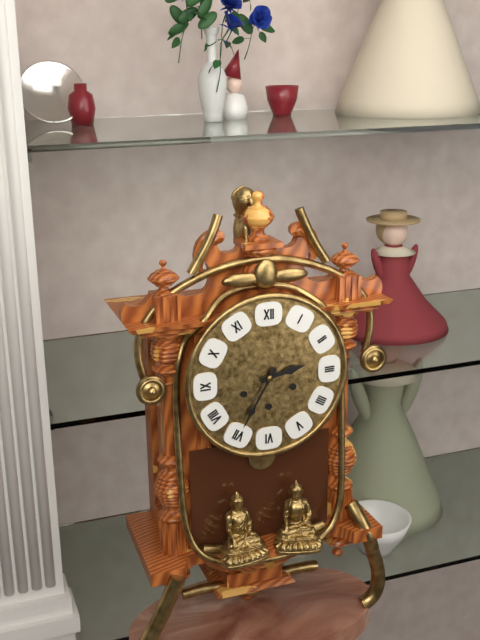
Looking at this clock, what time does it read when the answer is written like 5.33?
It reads 2.35
